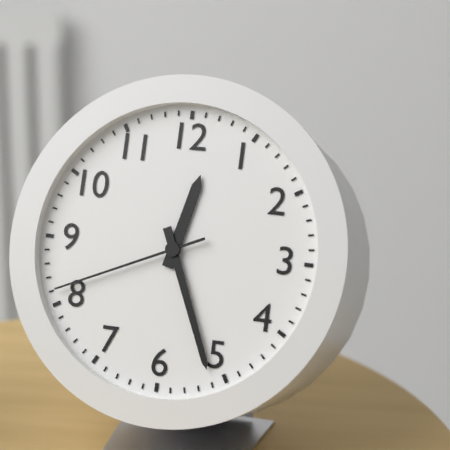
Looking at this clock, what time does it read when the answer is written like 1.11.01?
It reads 12.26.41
